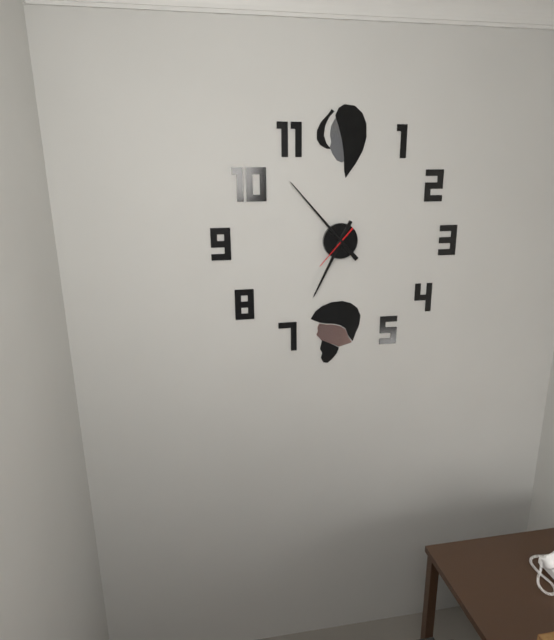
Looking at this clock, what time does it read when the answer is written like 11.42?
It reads 6.53
